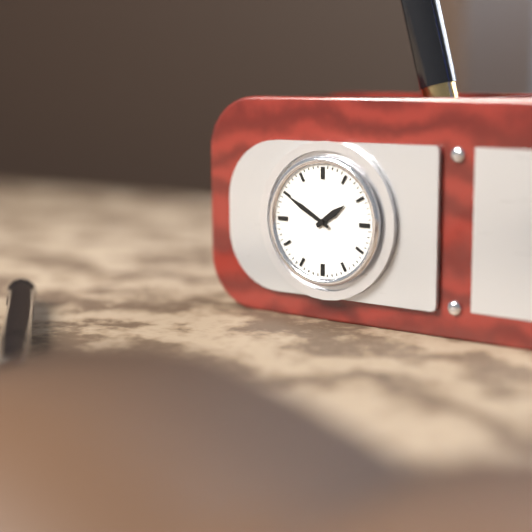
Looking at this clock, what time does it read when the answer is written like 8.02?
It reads 1.50
